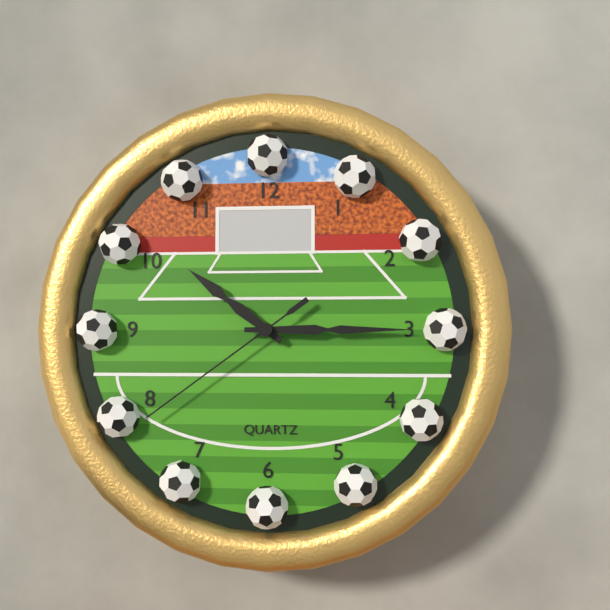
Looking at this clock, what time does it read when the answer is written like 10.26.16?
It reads 10.15.39
